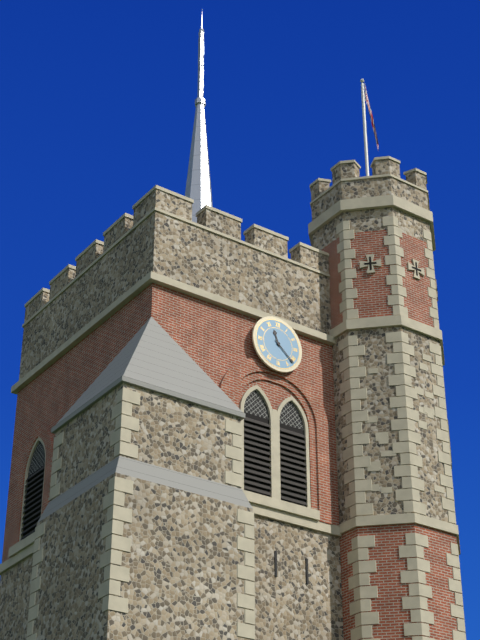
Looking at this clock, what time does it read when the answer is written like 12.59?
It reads 11.22
